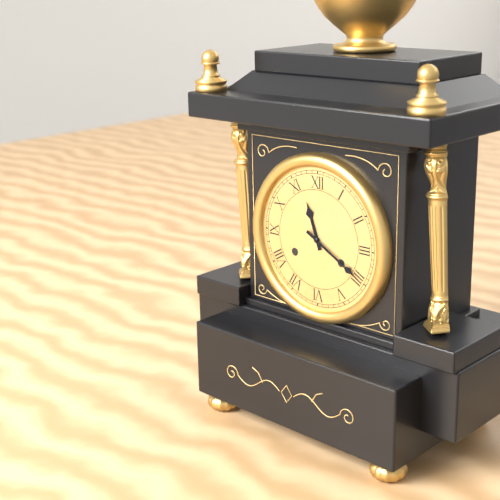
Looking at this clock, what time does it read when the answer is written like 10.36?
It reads 11.20
